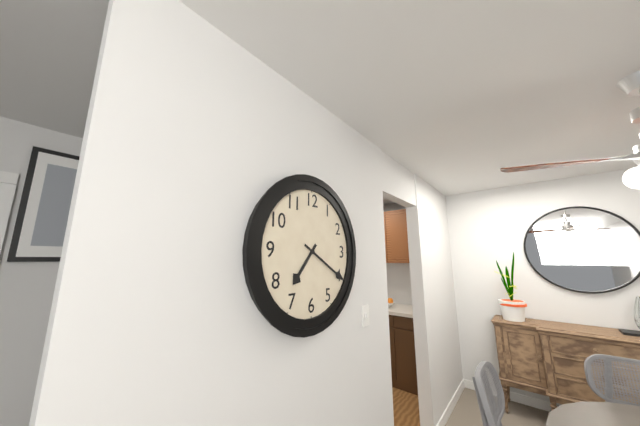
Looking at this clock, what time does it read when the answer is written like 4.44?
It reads 7.20
